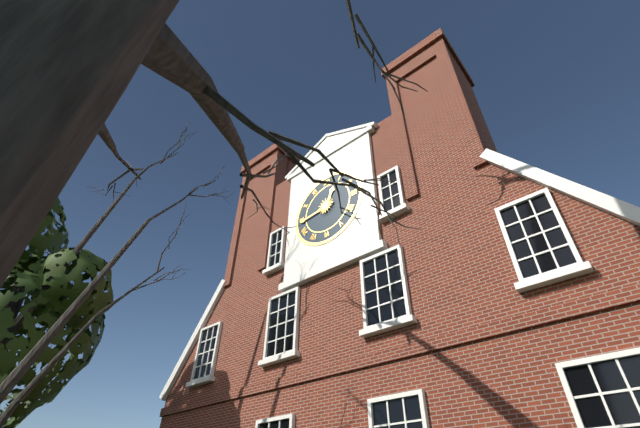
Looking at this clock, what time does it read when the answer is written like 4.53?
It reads 12.44
